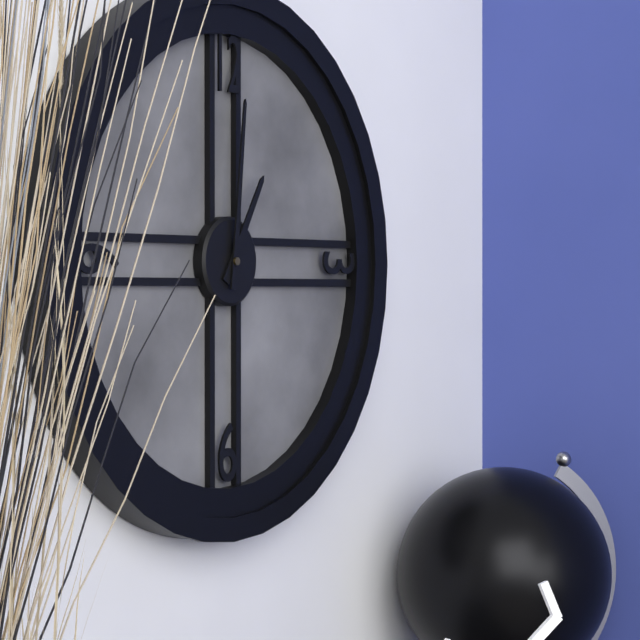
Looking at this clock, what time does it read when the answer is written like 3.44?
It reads 1.01
